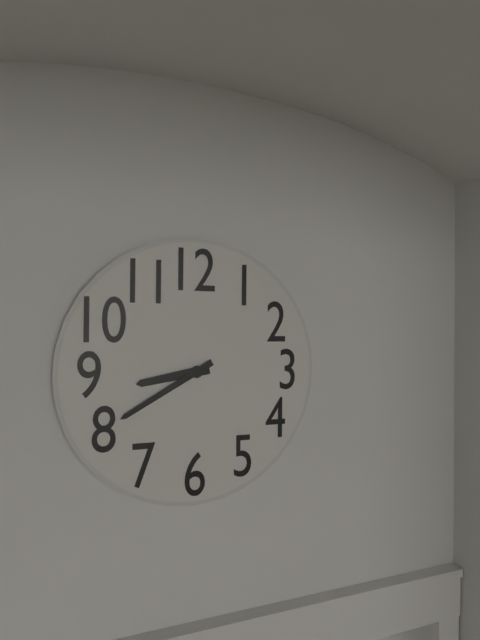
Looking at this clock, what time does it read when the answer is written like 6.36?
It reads 8.40
